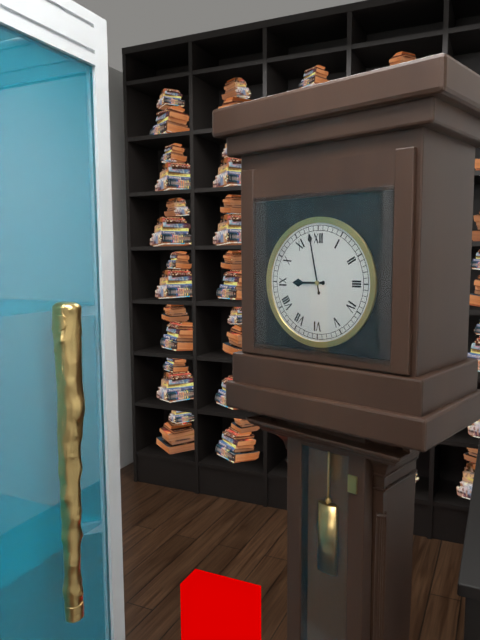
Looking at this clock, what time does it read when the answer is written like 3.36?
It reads 8.58
